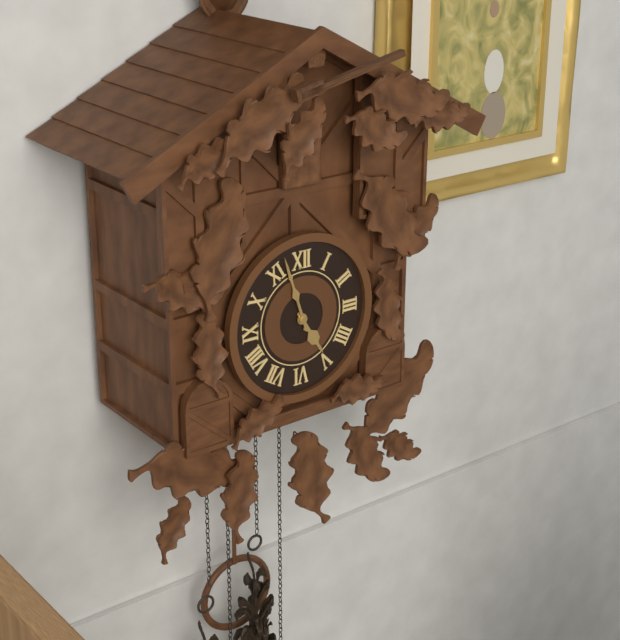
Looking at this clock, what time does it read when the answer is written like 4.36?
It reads 4.57
